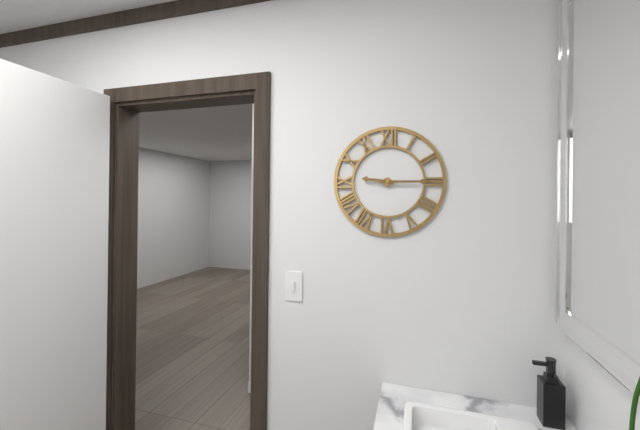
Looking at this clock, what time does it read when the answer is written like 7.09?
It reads 9.15
